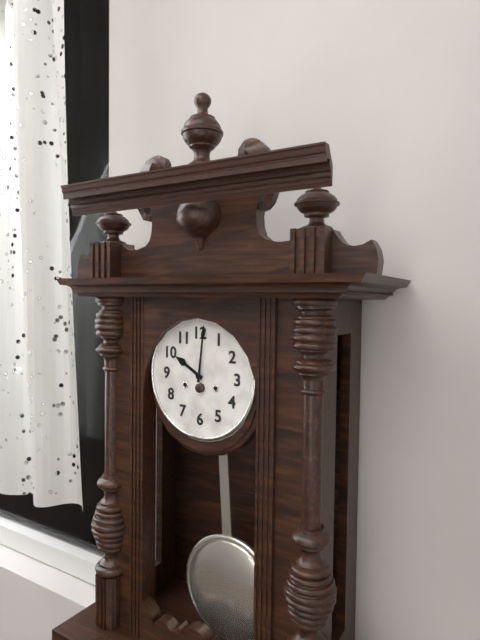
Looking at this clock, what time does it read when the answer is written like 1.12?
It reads 10.01
